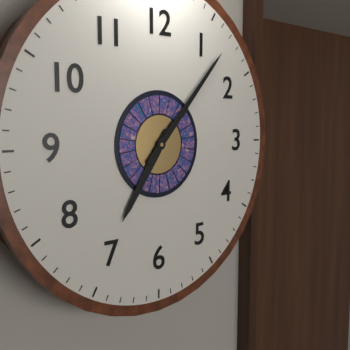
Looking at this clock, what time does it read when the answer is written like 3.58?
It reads 7.07
